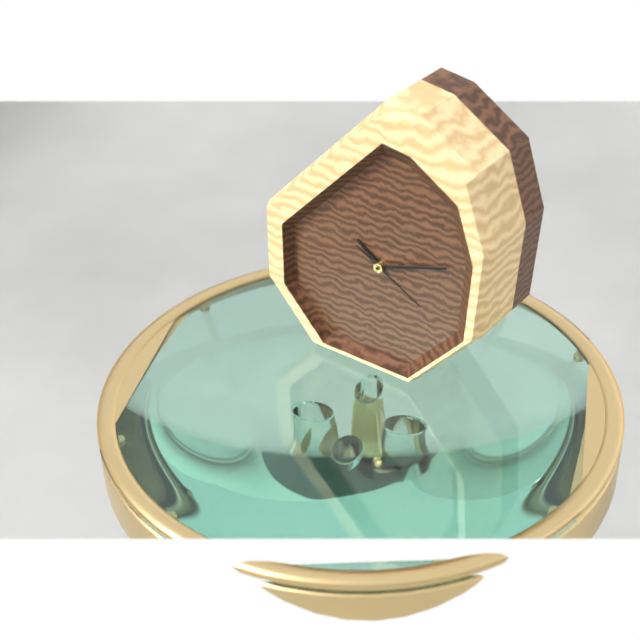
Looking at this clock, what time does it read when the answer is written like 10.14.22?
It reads 10.12.20
